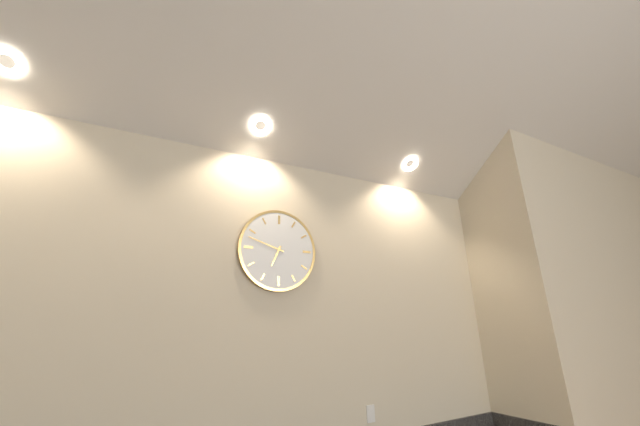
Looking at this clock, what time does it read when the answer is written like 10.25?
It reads 6.48
